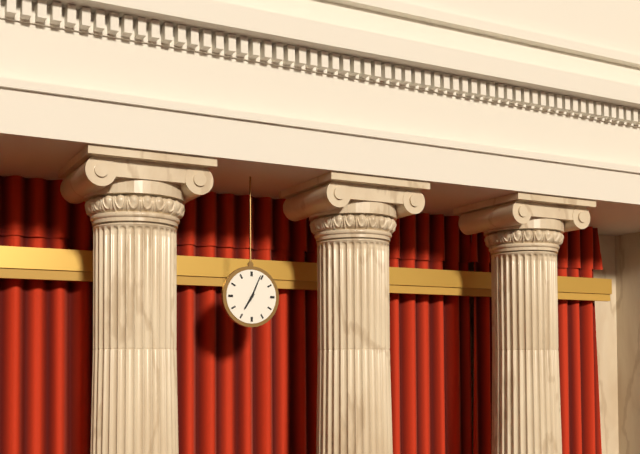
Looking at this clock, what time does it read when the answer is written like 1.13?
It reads 7.04
